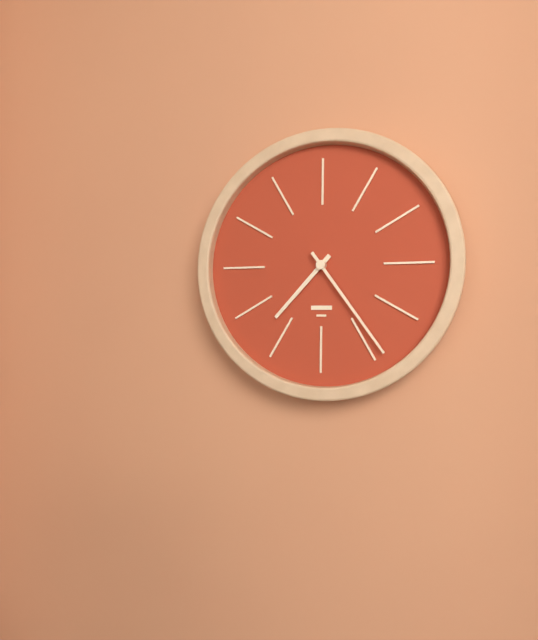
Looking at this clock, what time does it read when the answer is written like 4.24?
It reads 7.24
